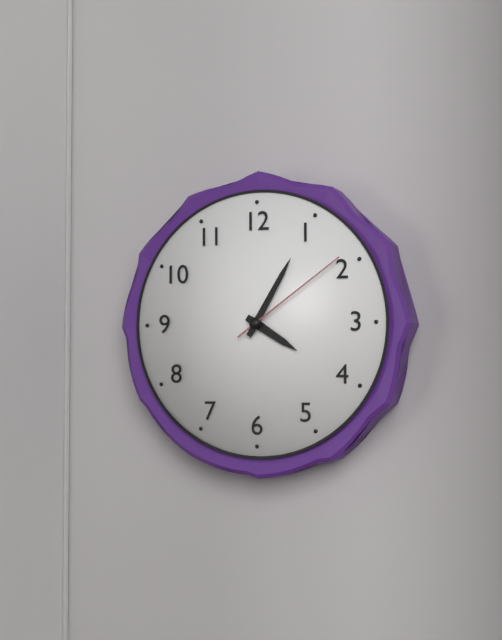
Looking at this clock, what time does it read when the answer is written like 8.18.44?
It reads 4.05.09
